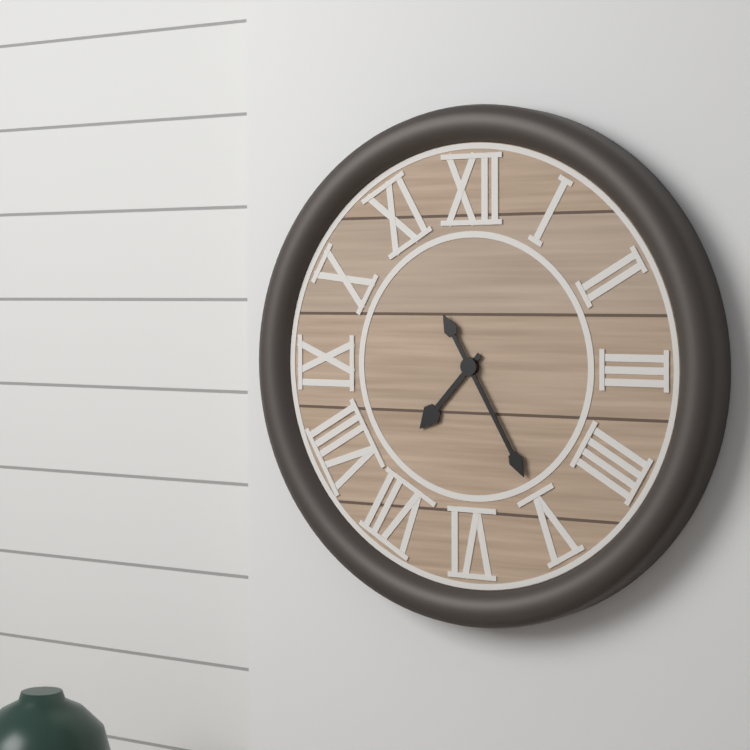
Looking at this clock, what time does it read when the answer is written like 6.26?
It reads 7.25
